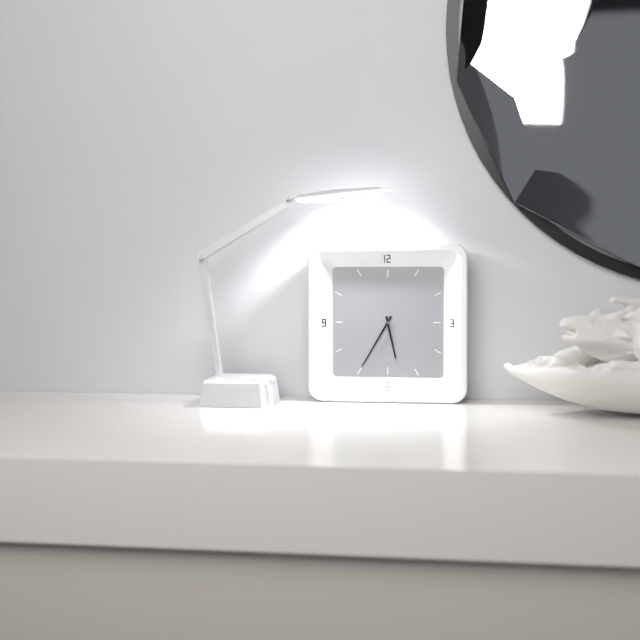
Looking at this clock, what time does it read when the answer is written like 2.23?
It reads 5.35
